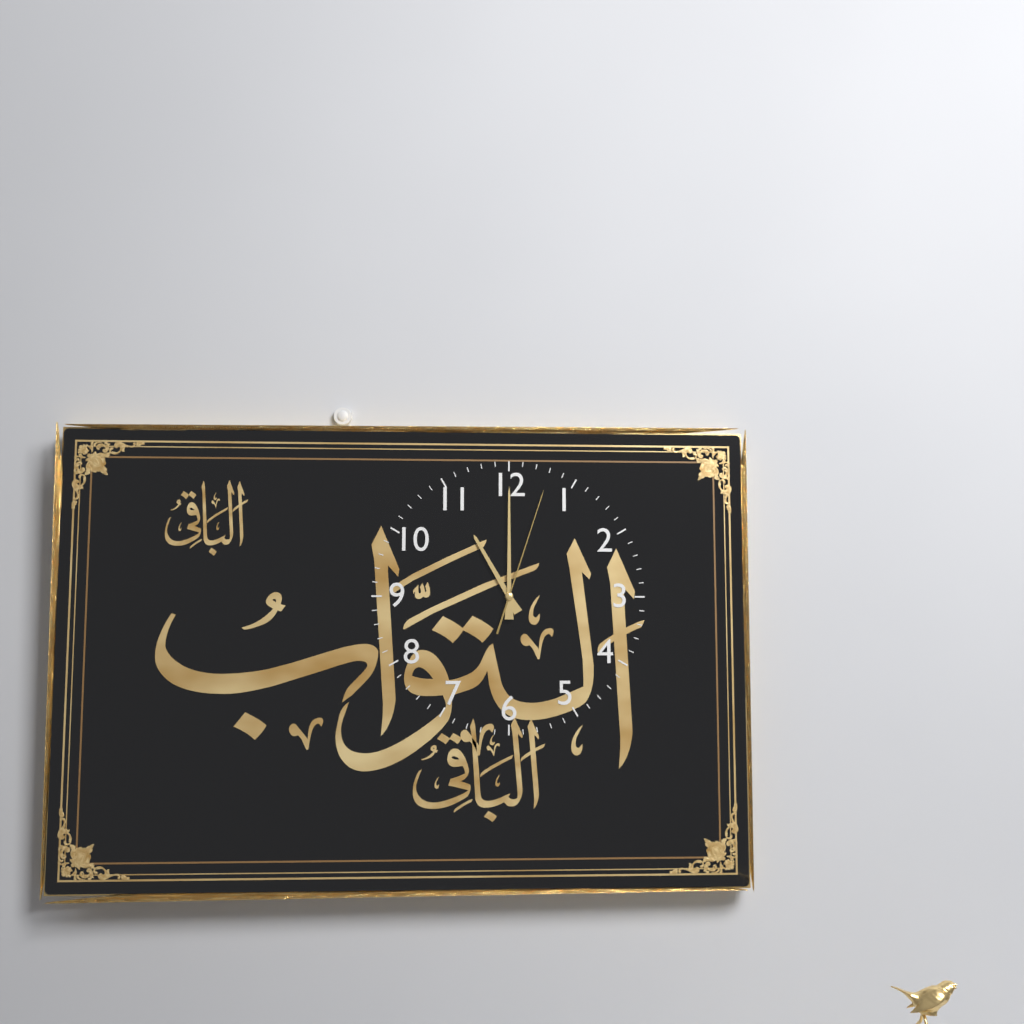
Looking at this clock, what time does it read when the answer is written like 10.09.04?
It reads 11.00.03
